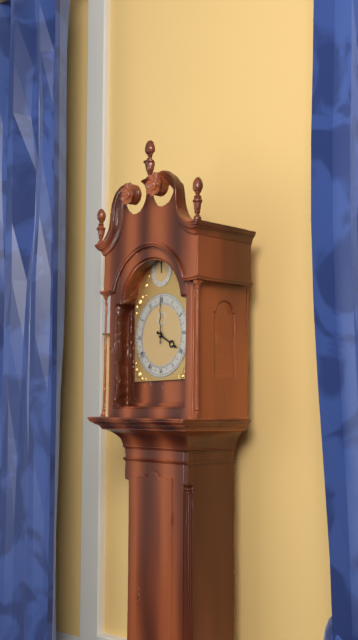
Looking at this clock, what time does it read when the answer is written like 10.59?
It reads 4.00
